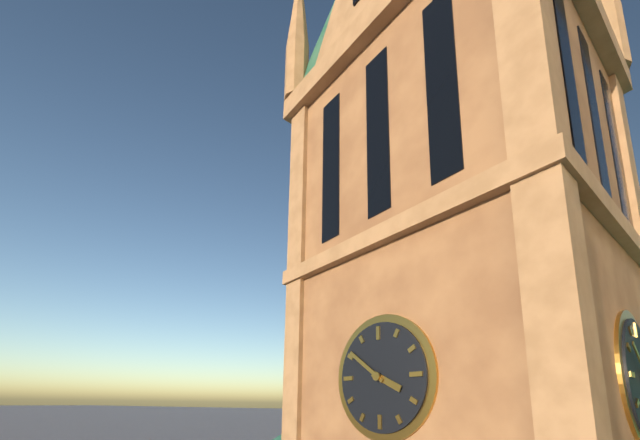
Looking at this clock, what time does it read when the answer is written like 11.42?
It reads 3.51
